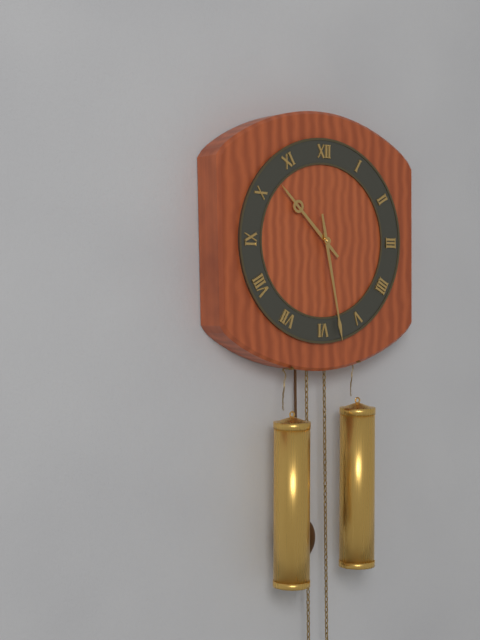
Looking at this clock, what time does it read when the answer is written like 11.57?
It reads 10.28
